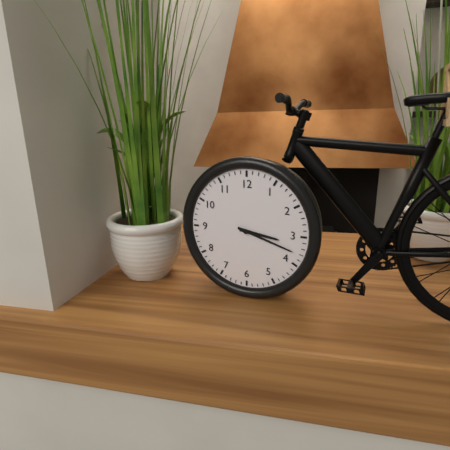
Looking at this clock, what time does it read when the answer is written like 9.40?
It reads 3.18
